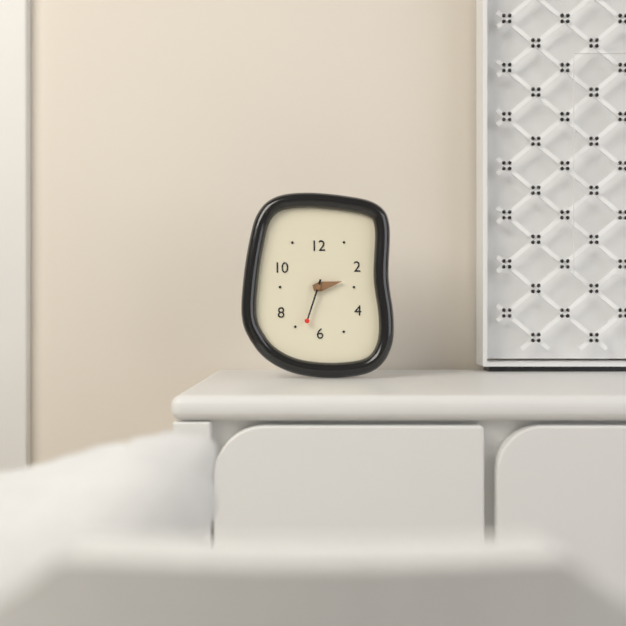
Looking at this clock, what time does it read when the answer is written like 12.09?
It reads 2.33
